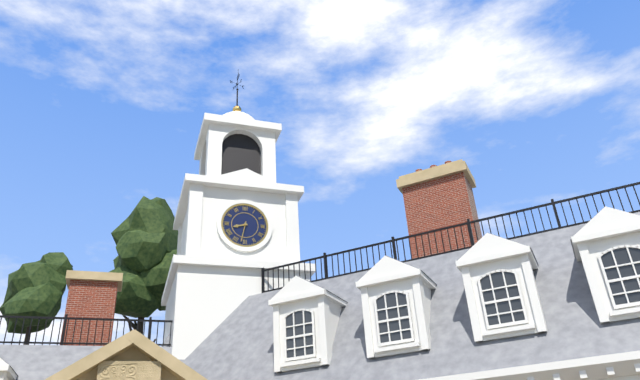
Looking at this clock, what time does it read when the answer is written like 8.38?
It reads 8.32
